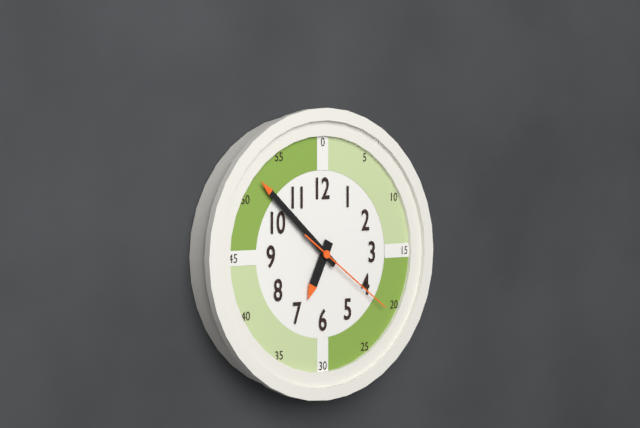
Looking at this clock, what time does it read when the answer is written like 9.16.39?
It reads 6.52.21
